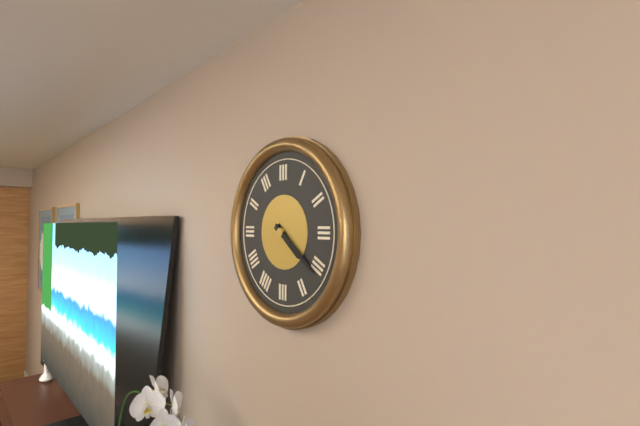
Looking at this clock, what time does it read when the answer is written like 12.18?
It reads 4.21
